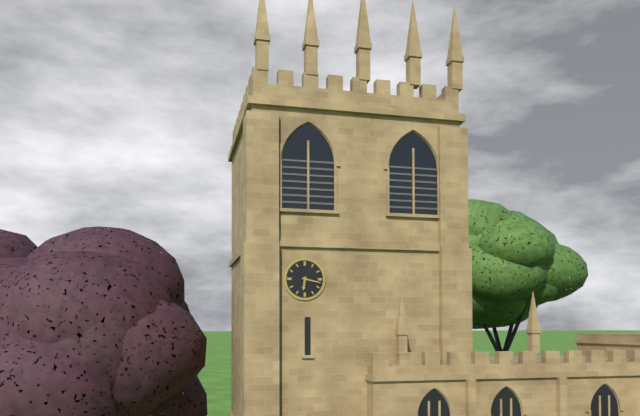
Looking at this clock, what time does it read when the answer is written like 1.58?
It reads 6.17
